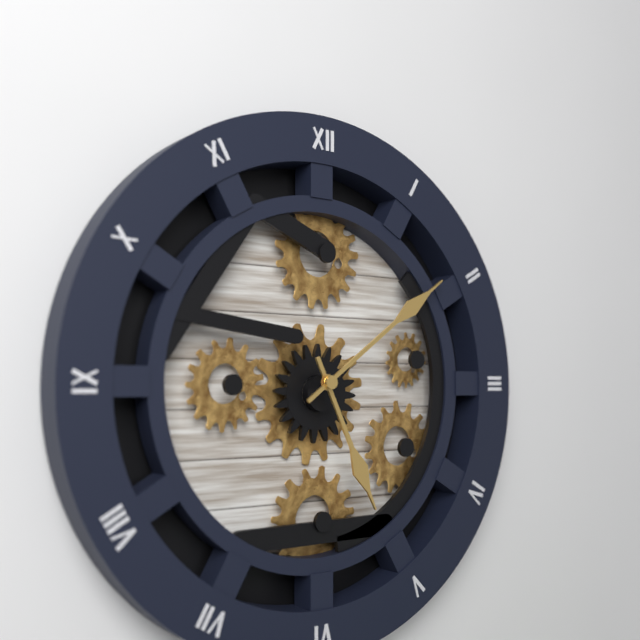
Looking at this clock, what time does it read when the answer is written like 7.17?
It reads 5.09
